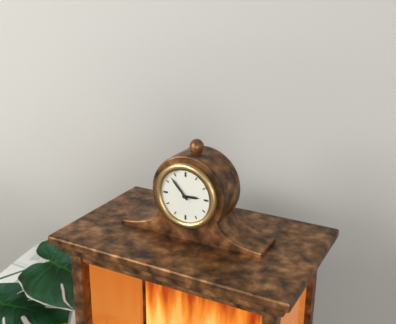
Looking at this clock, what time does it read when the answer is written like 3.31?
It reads 2.53
